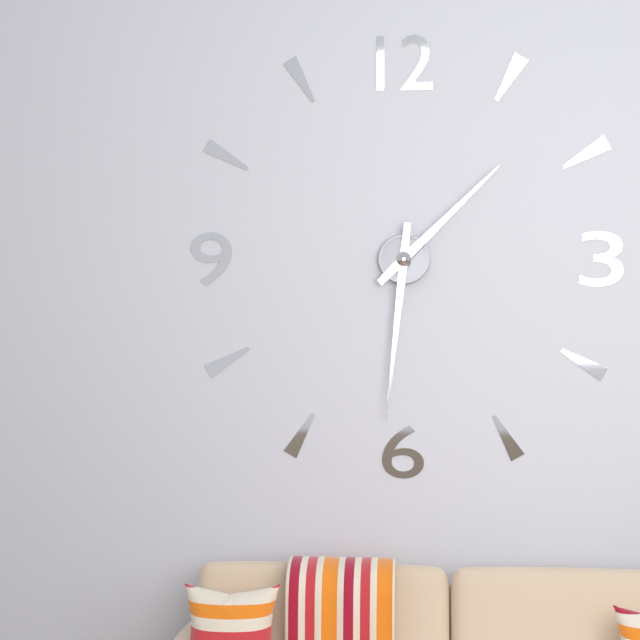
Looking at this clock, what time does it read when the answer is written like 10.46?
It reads 1.31
